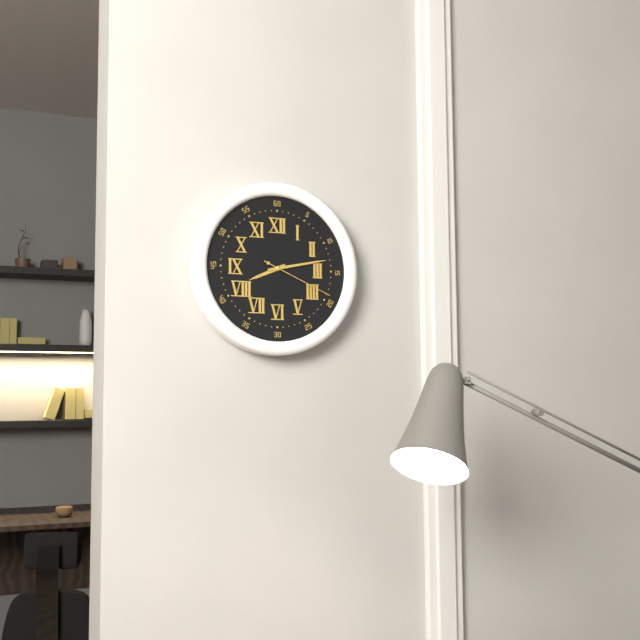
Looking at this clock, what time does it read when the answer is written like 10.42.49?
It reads 8.13.19
